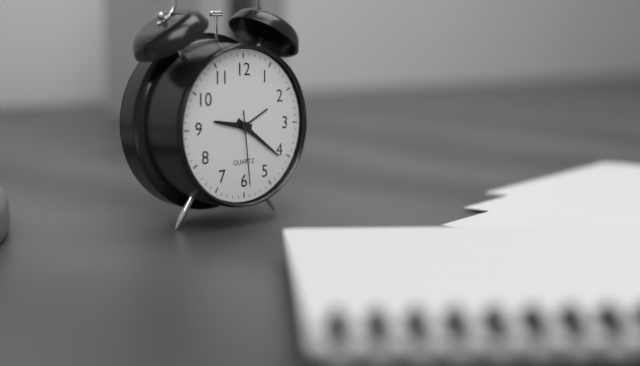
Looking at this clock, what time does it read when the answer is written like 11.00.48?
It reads 9.21.29
